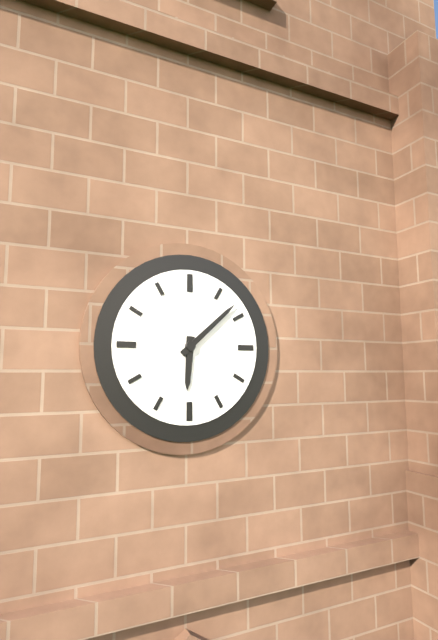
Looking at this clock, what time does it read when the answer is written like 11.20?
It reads 6.08
